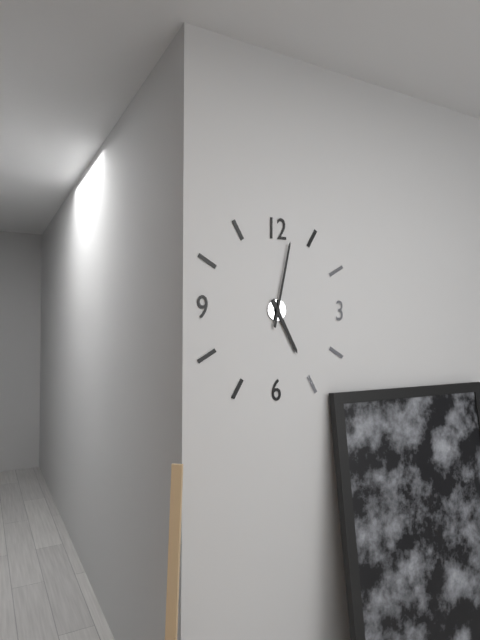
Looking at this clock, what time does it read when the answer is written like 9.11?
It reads 5.02
